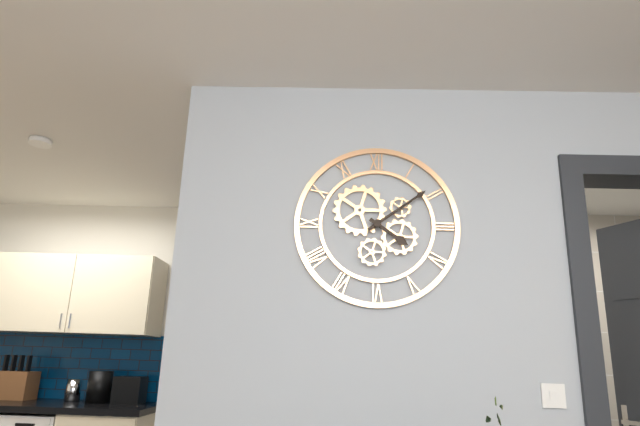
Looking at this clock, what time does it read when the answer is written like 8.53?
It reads 4.09
